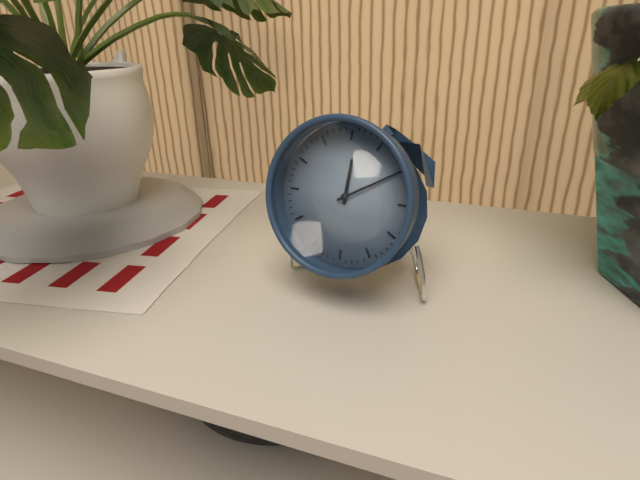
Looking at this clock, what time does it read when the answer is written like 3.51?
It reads 12.10
